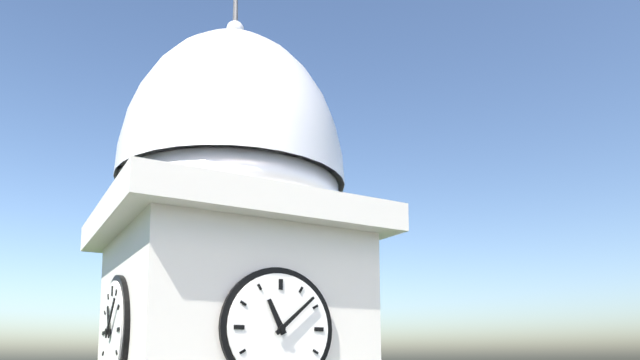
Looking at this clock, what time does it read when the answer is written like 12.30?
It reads 11.08
